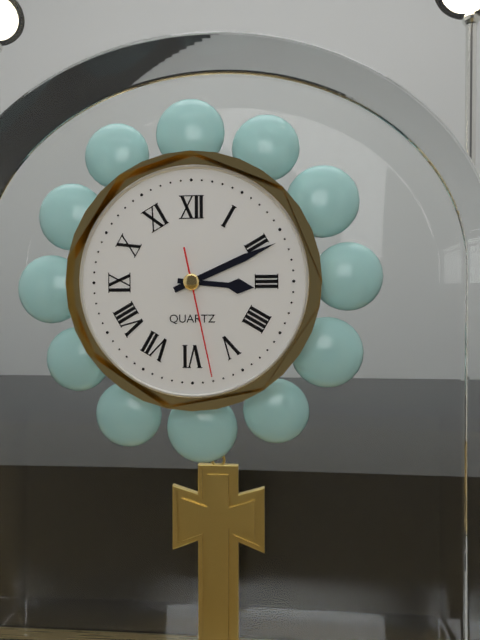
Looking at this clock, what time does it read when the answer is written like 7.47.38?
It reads 3.11.28
